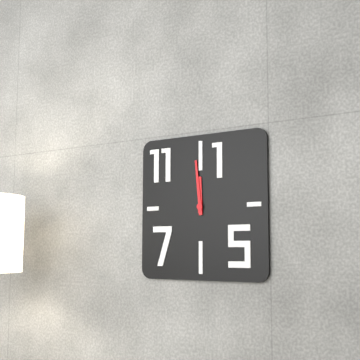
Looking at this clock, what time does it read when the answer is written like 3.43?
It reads 11.59
